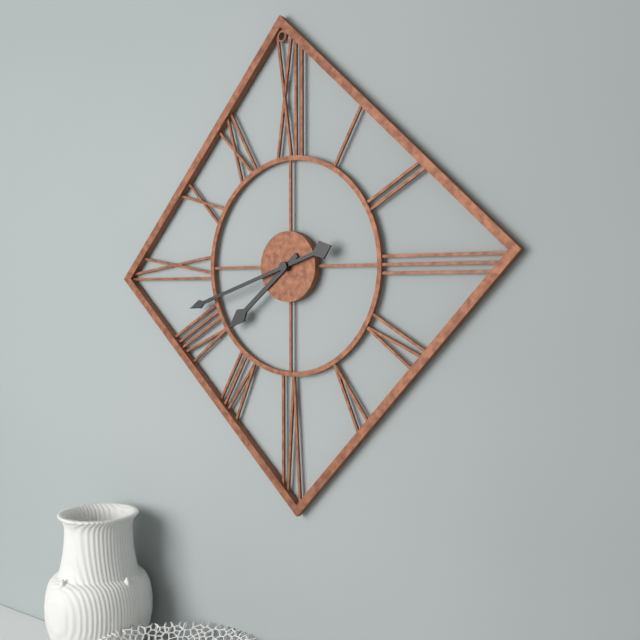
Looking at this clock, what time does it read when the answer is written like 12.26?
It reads 7.42
